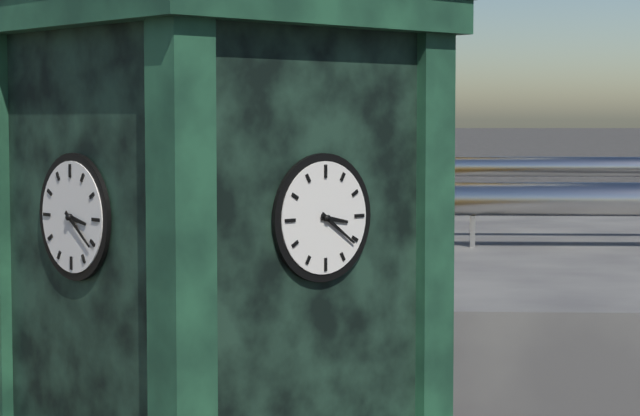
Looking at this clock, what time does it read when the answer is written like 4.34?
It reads 3.21
